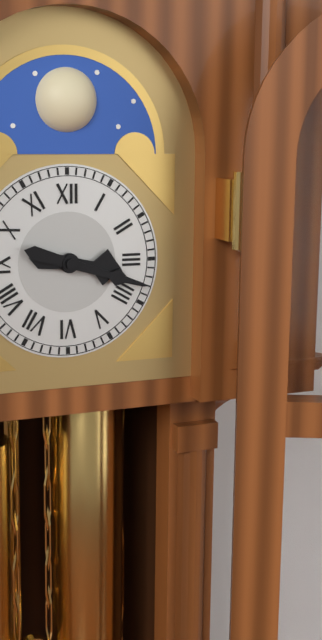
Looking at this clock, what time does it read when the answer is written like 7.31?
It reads 3.18
